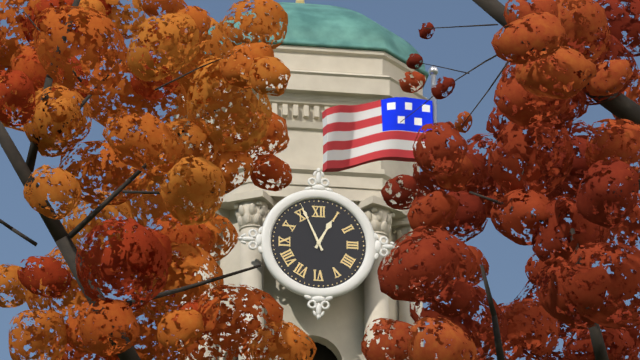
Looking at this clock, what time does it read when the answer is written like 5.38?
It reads 12.56
